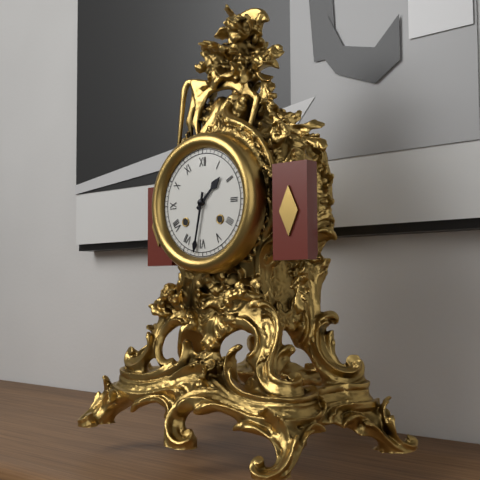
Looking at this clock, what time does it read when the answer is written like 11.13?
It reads 1.32
